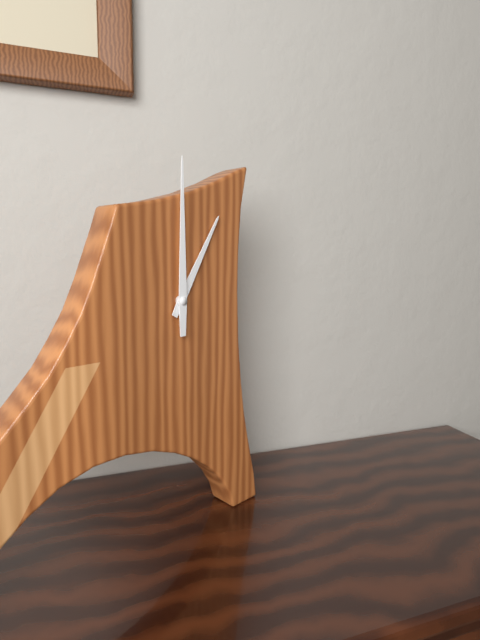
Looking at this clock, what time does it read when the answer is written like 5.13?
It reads 1.00
